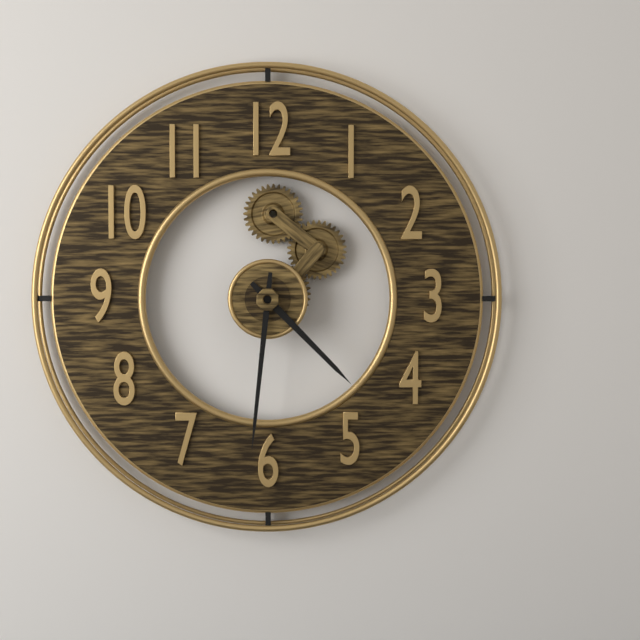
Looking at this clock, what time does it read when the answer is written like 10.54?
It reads 4.31
